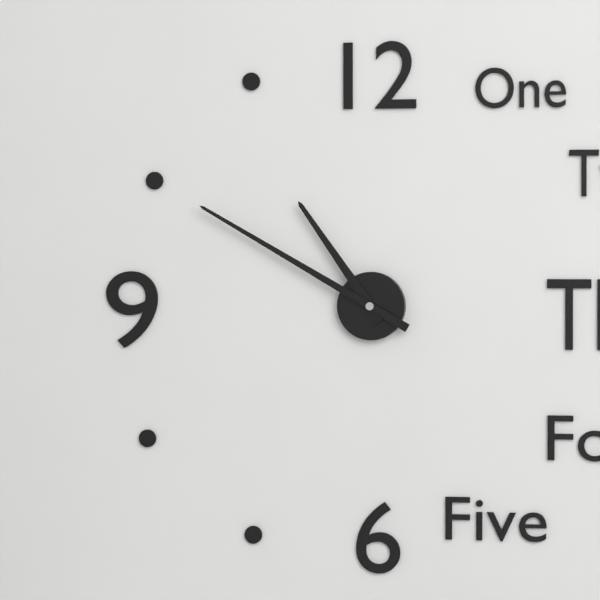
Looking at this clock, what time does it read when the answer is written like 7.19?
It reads 10.50
